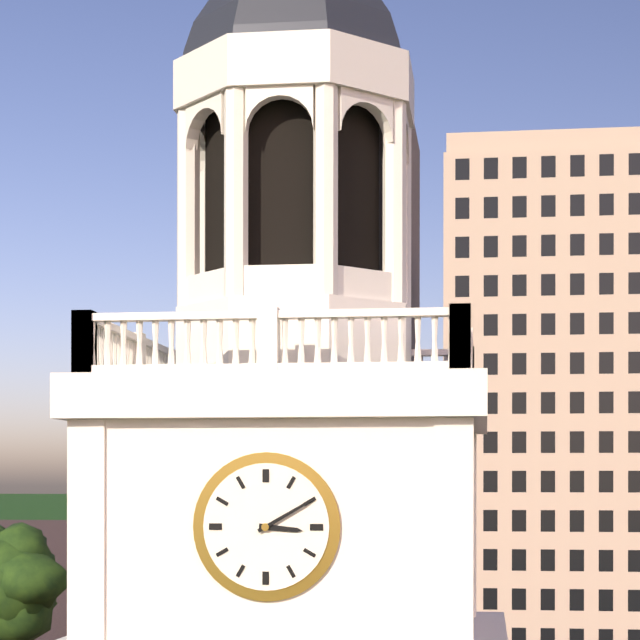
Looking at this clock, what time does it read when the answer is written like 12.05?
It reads 3.10
